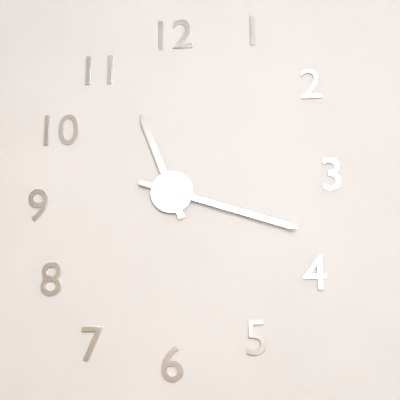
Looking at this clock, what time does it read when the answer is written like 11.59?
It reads 11.18
